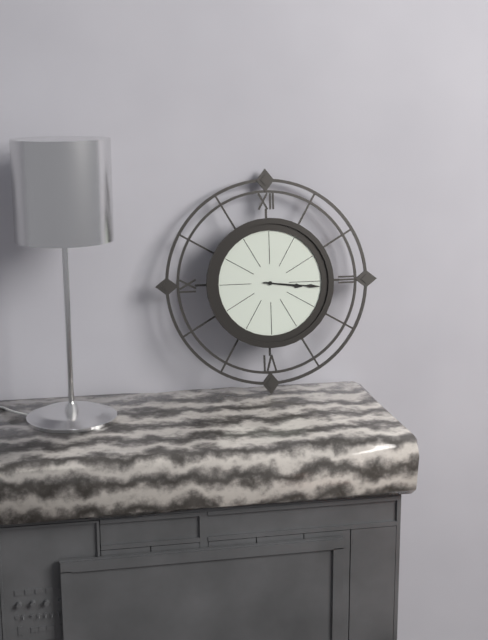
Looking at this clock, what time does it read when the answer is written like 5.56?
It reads 3.16
